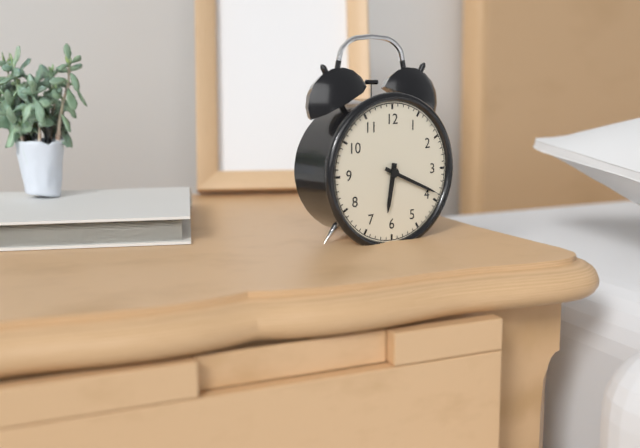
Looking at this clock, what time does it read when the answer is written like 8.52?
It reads 6.19
